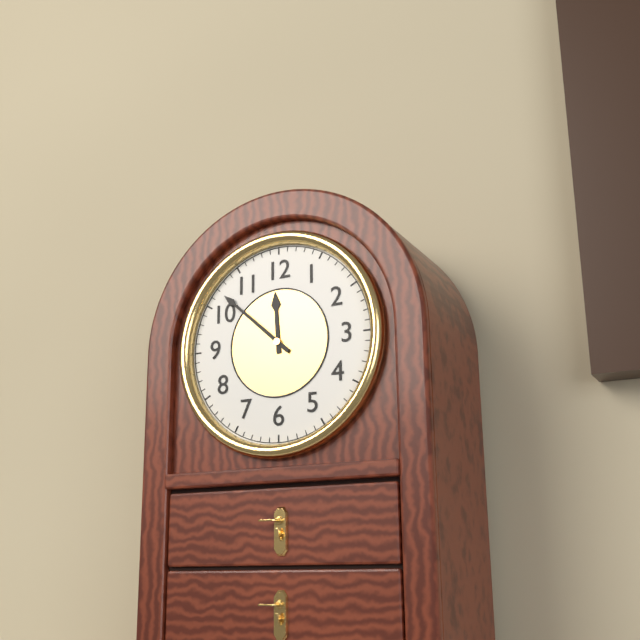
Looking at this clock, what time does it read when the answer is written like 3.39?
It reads 11.52
